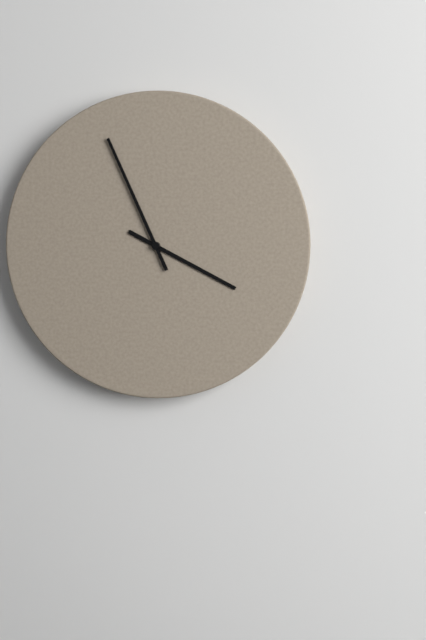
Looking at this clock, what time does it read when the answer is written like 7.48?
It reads 3.56
